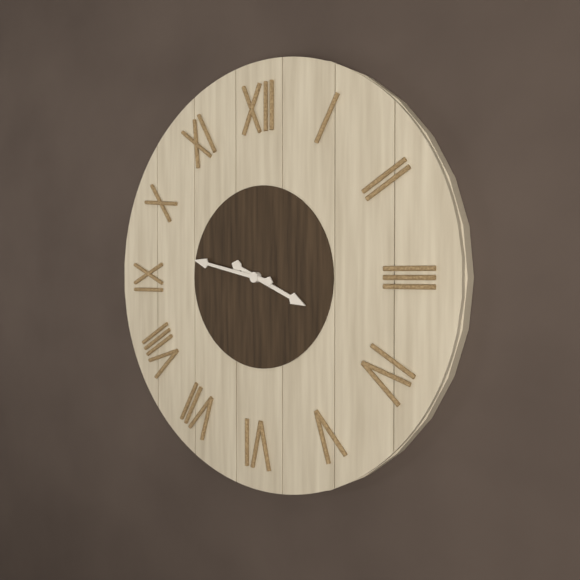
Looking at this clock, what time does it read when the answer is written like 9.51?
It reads 3.47
